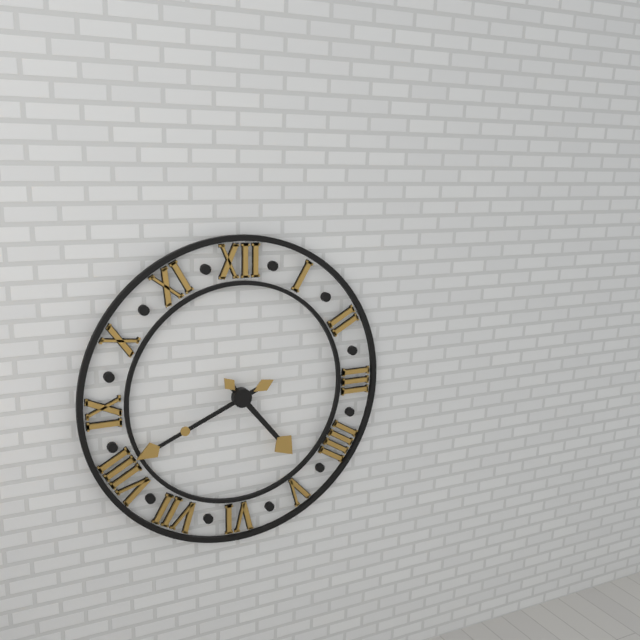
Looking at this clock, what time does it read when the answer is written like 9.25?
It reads 4.41
